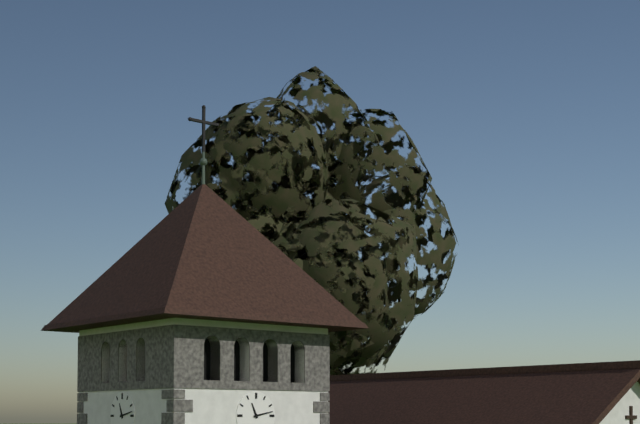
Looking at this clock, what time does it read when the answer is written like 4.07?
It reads 11.13
